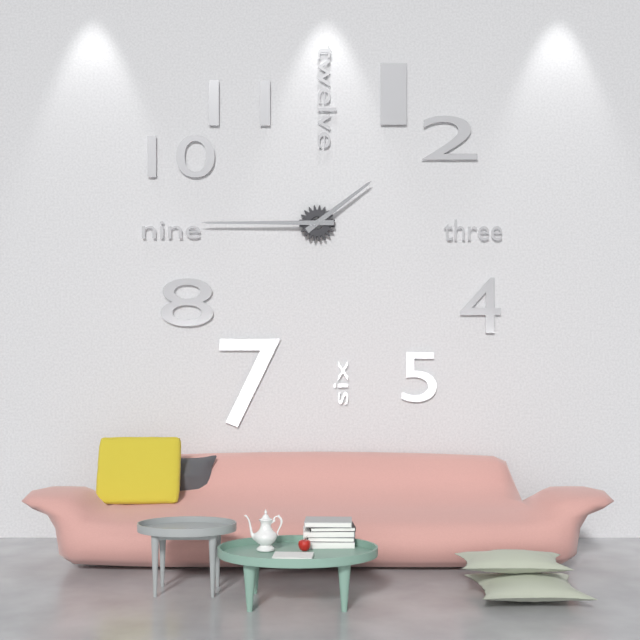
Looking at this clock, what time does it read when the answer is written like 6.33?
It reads 1.45
